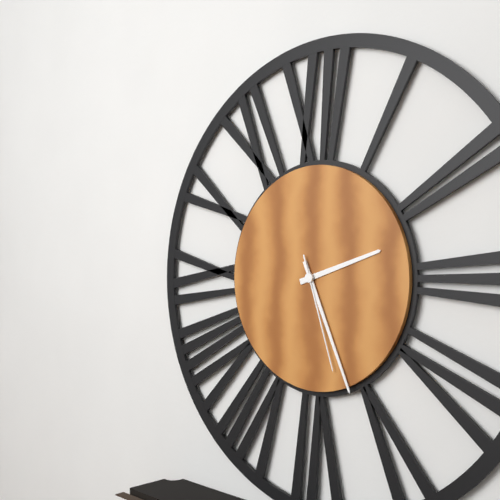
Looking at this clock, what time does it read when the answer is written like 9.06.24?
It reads 2.26.27
